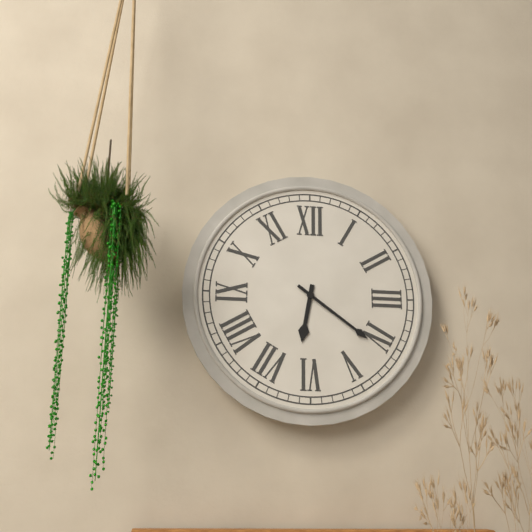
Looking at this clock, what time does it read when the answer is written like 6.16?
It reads 6.21
